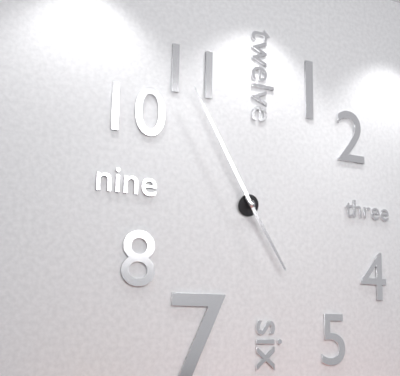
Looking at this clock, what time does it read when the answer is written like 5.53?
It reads 4.55
